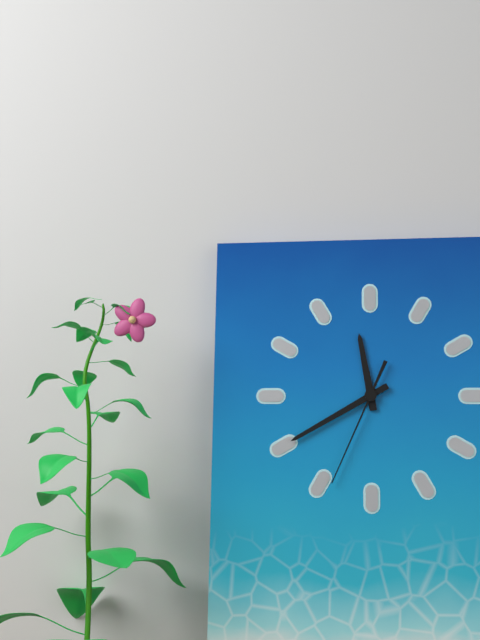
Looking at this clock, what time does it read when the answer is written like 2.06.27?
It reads 11.40.34
